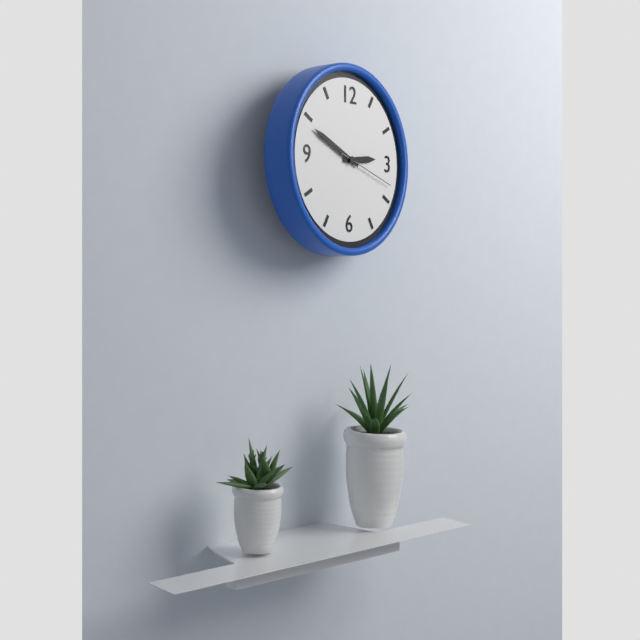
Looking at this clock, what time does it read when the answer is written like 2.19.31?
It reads 2.49.18
